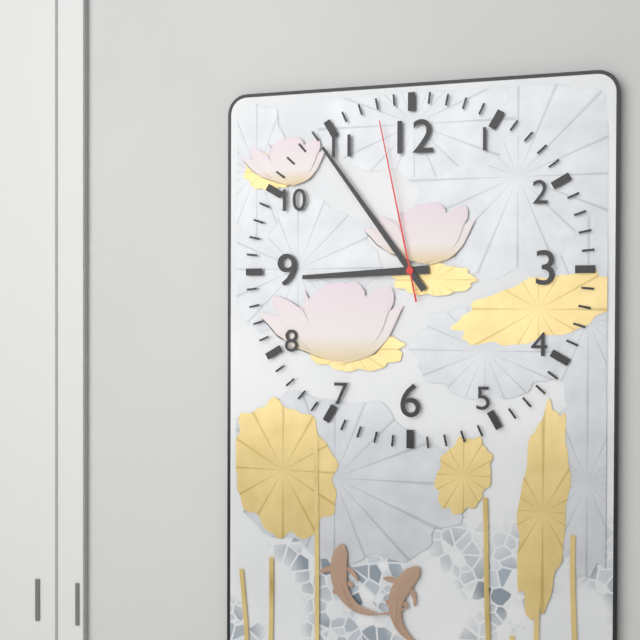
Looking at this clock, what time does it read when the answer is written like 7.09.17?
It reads 8.54.58
